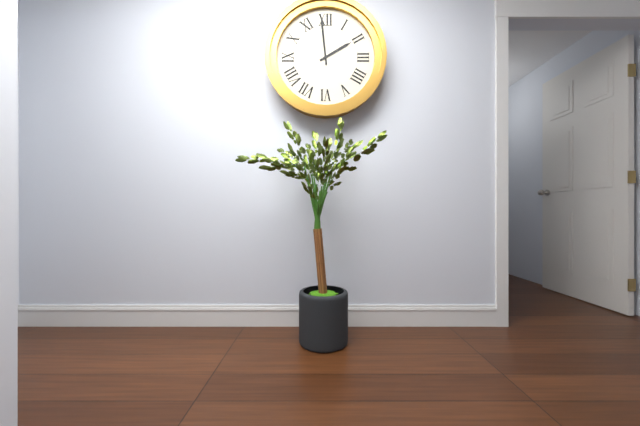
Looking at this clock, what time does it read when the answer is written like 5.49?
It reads 1.59
